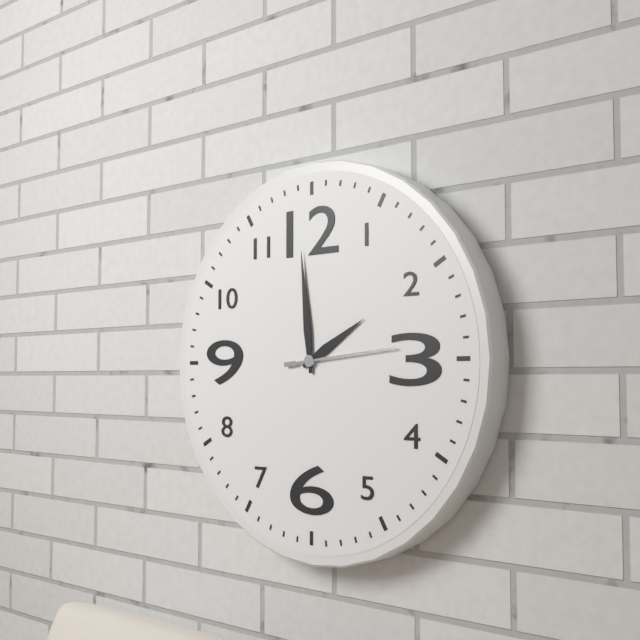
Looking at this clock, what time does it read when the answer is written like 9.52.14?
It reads 1.59.14
